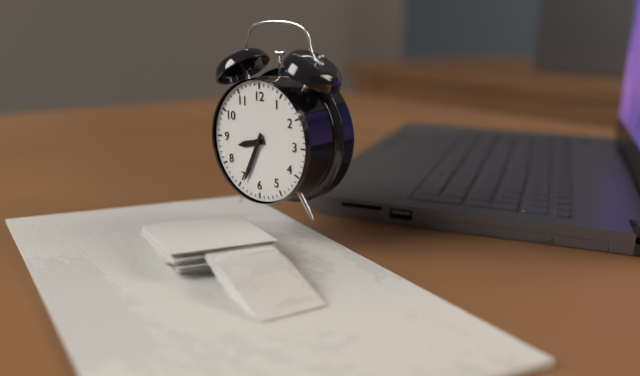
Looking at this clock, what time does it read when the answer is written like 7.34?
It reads 8.34
